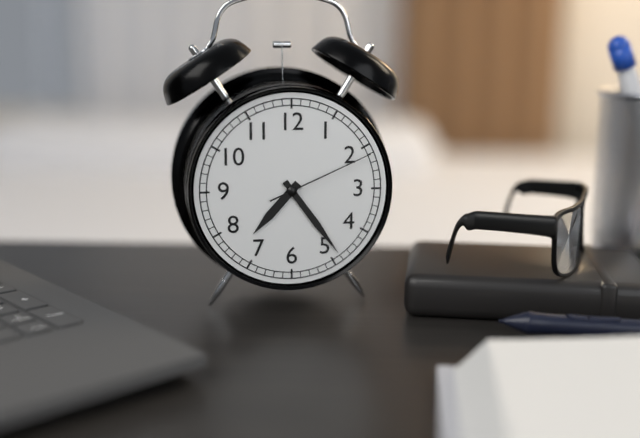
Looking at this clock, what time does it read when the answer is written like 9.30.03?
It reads 7.24.11
